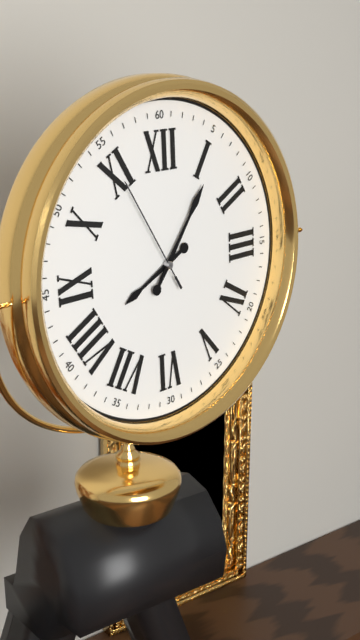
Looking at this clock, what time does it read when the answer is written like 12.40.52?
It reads 8.06.55
